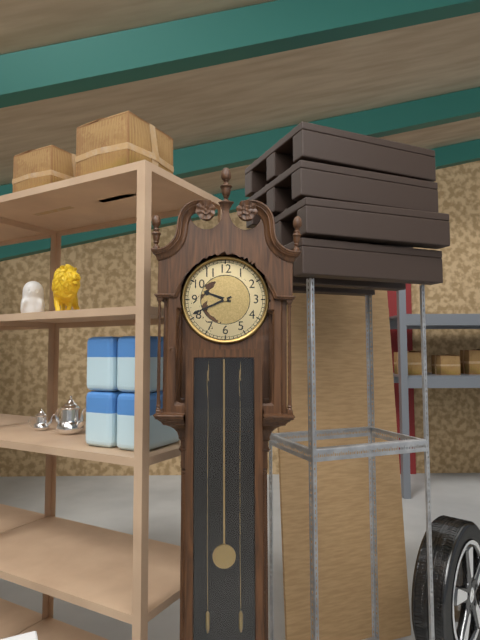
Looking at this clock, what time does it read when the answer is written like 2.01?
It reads 9.41
